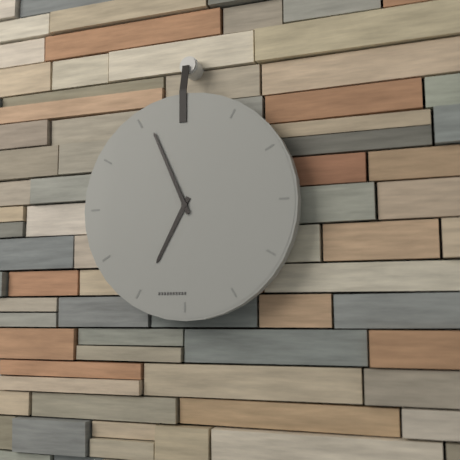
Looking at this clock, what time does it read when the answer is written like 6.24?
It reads 6.56
